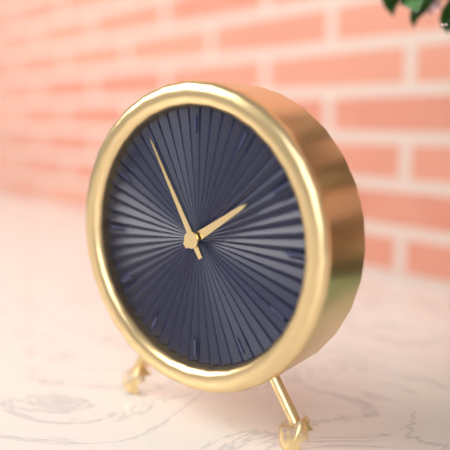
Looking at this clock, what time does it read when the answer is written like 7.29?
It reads 1.55
